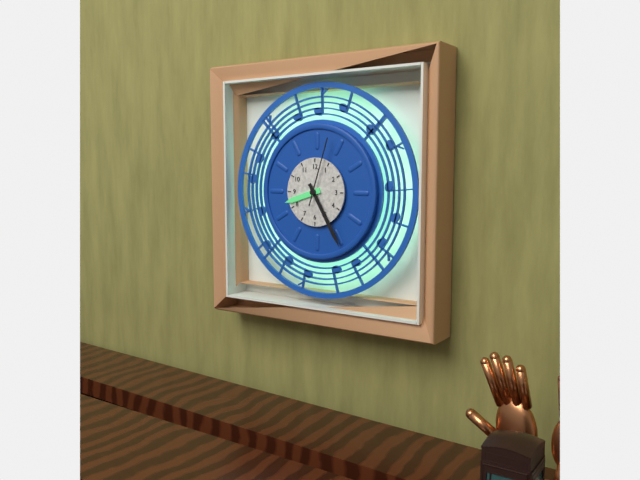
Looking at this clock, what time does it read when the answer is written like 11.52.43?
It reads 8.25.03
